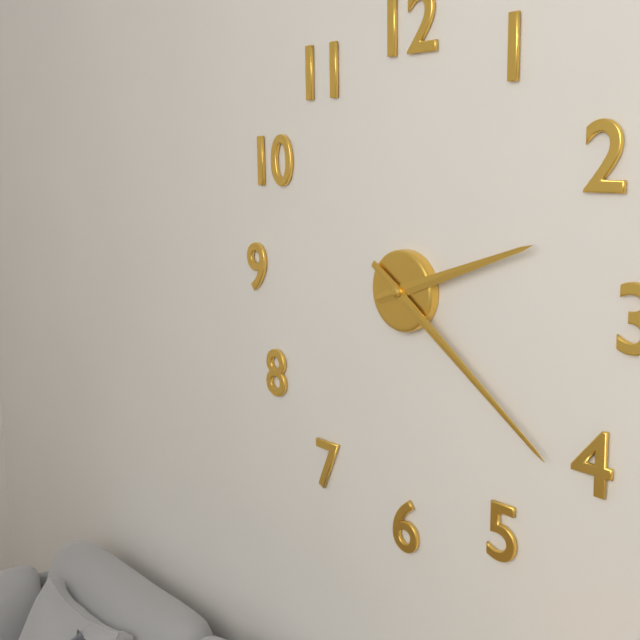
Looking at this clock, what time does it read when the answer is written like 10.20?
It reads 2.21
